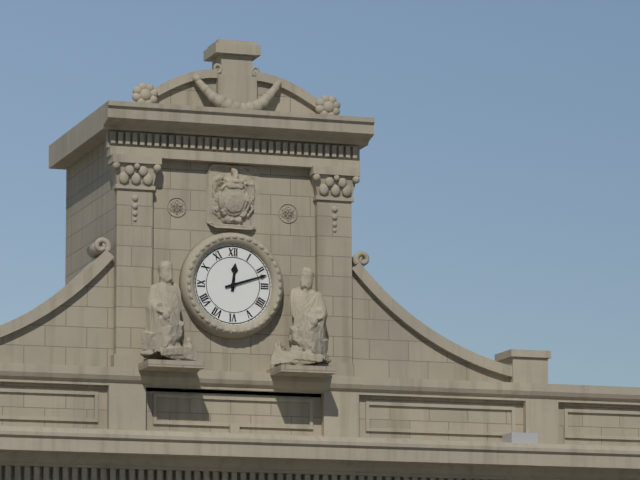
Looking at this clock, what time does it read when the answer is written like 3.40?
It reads 12.12
